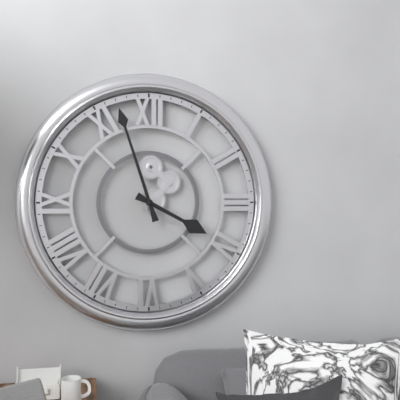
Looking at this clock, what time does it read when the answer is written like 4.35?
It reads 3.57
